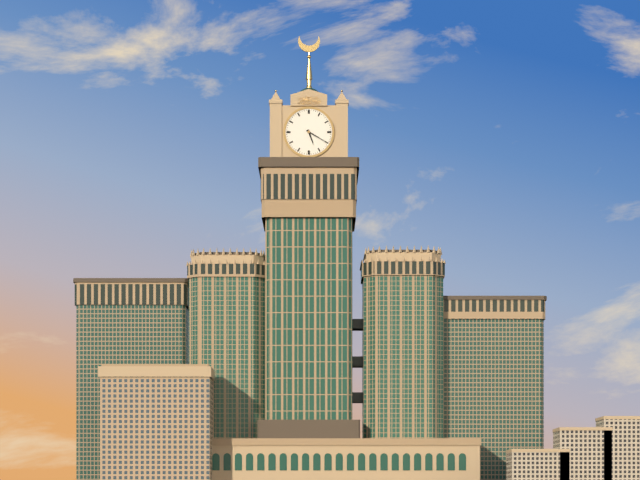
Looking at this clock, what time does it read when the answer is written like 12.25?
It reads 5.20
